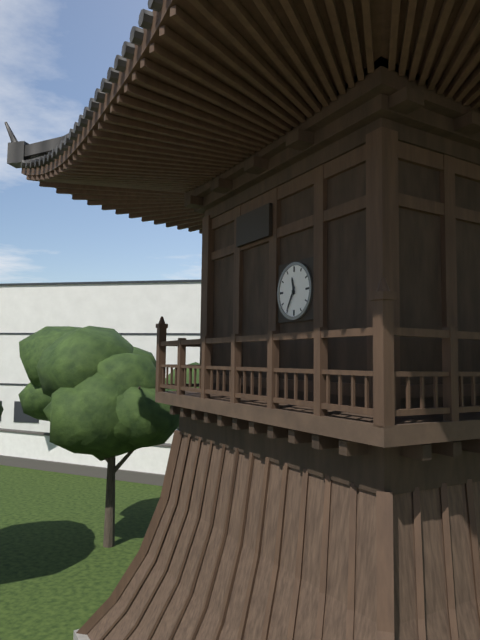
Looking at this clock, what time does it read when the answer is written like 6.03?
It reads 11.35
